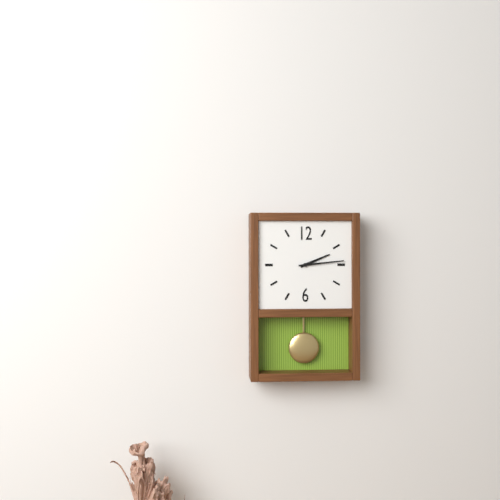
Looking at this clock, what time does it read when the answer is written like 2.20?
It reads 2.14
